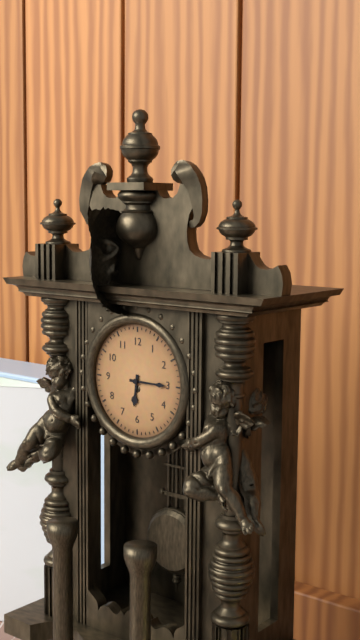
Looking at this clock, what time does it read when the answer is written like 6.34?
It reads 6.15
